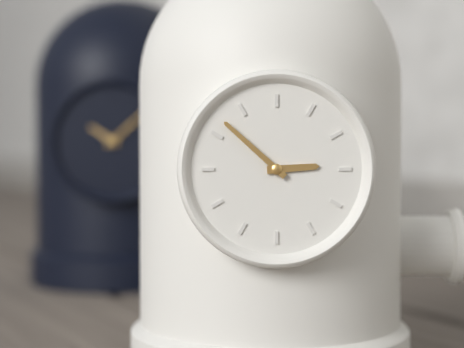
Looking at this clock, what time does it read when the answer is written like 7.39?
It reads 2.52
